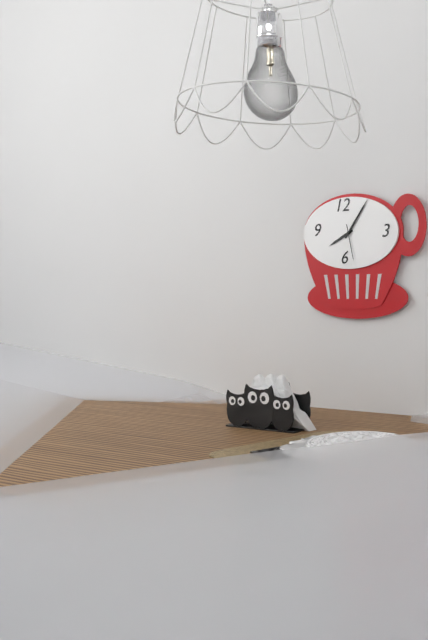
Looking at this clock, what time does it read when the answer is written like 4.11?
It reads 8.06
